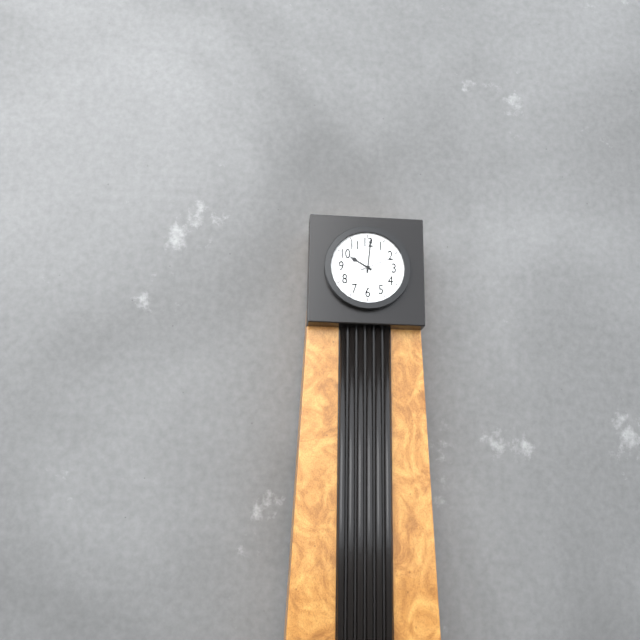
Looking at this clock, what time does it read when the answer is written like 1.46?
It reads 10.01
